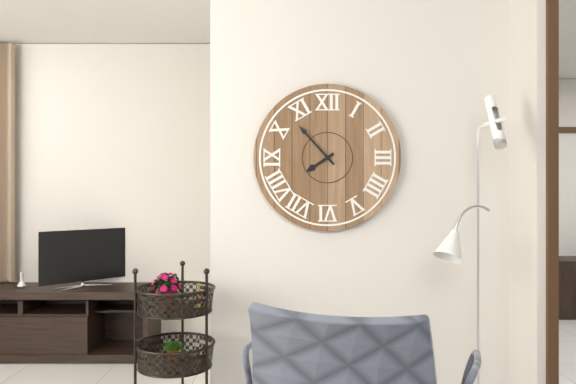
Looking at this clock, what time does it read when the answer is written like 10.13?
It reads 7.53
